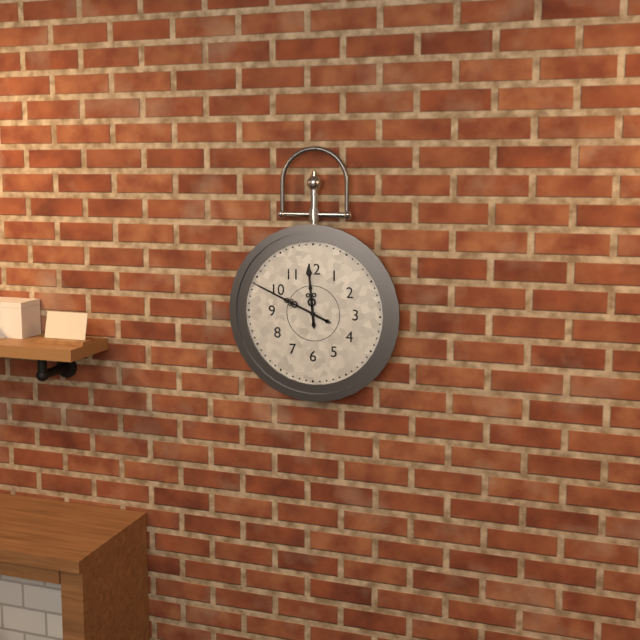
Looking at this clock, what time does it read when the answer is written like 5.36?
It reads 11.49
